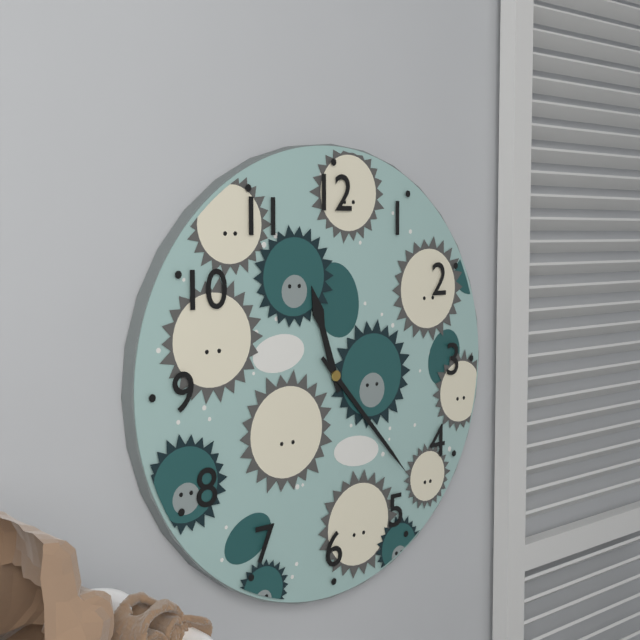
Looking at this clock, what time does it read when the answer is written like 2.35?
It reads 11.23
